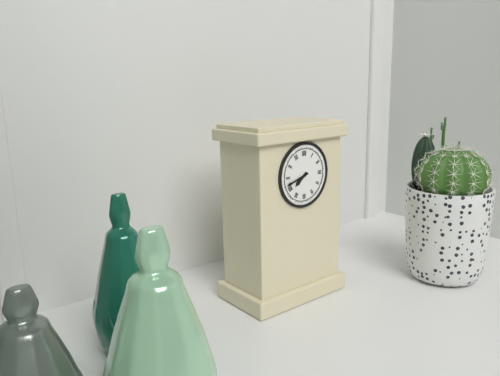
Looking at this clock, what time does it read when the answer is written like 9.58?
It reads 7.42
